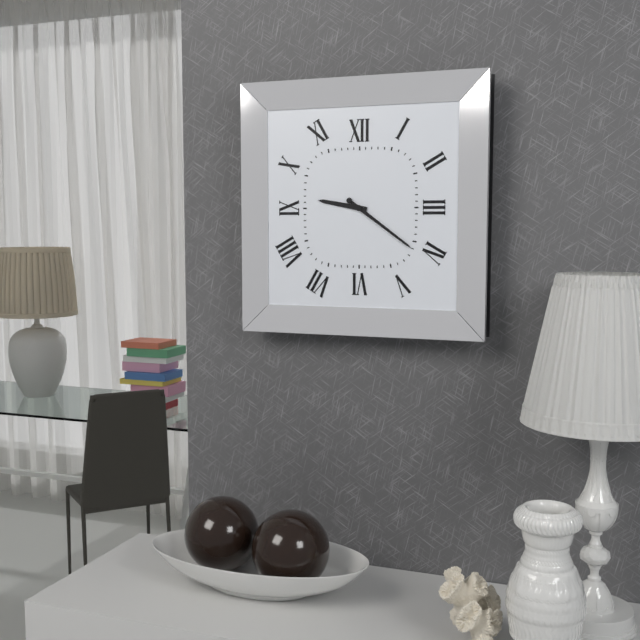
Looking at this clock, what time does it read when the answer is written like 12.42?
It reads 9.21
